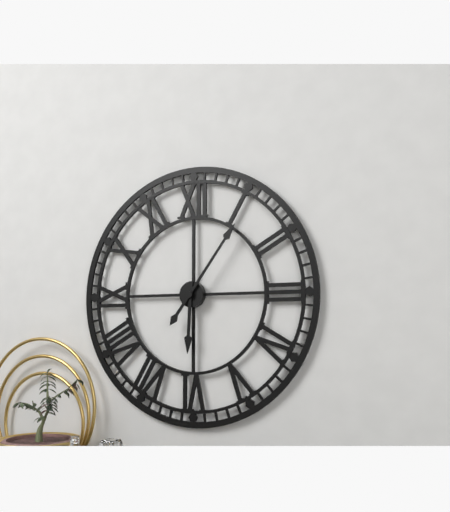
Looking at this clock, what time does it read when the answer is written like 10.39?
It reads 6.06
